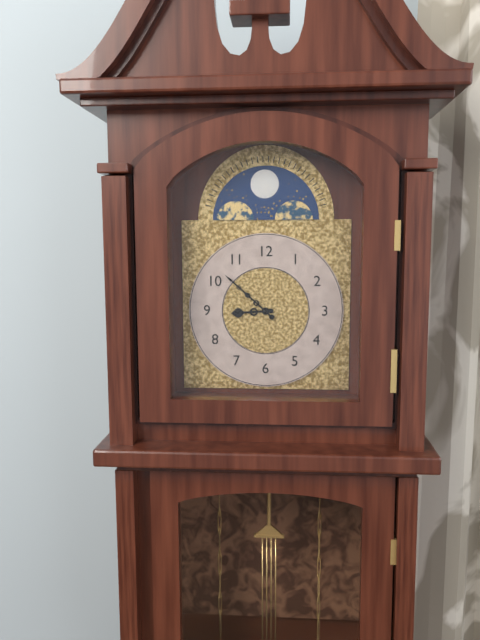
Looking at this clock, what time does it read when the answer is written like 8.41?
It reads 8.52
